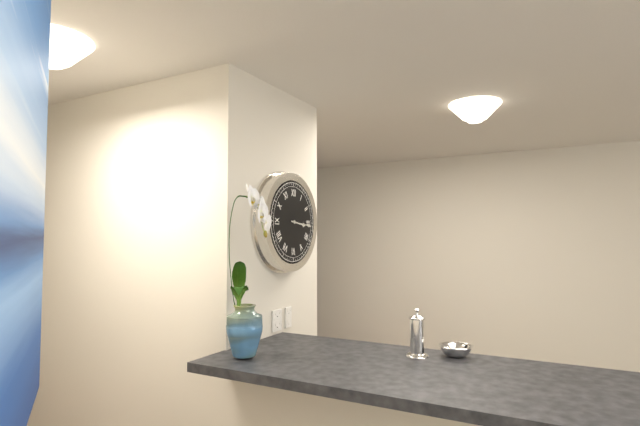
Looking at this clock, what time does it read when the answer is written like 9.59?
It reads 3.16
